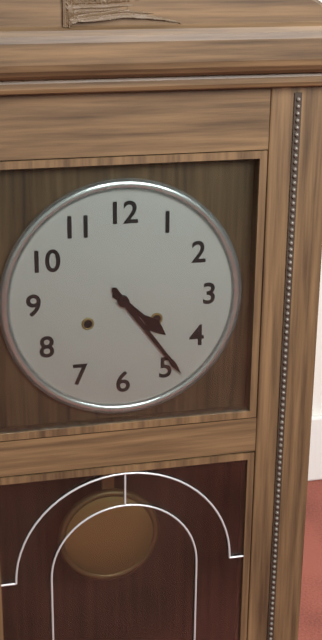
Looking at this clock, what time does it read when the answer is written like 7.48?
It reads 4.24
